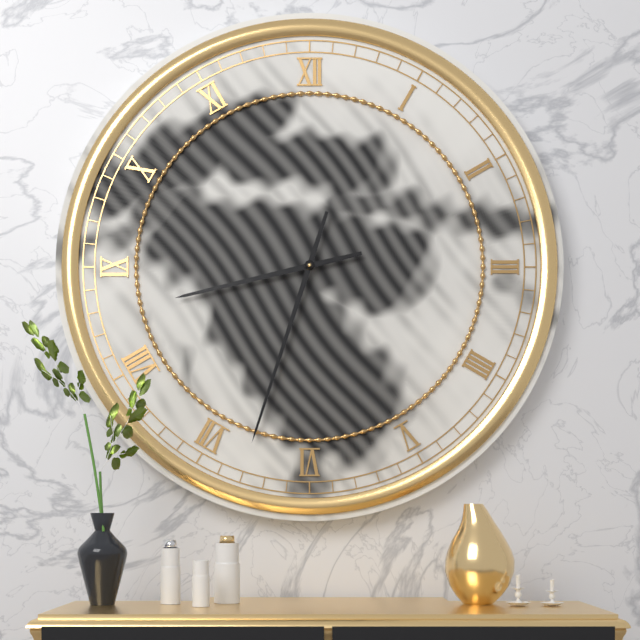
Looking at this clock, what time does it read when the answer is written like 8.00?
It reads 8.33
